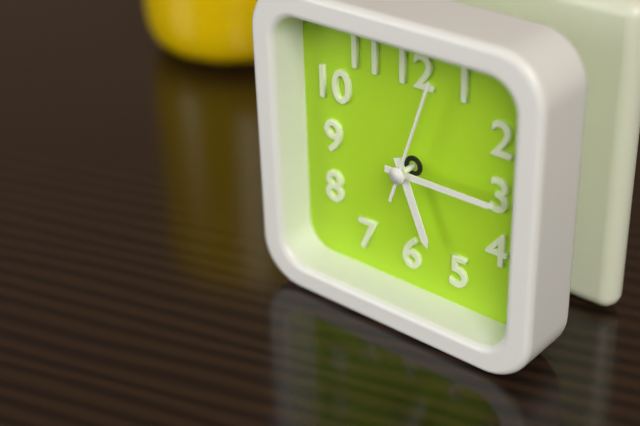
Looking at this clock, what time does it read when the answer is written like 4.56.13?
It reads 5.15.03
